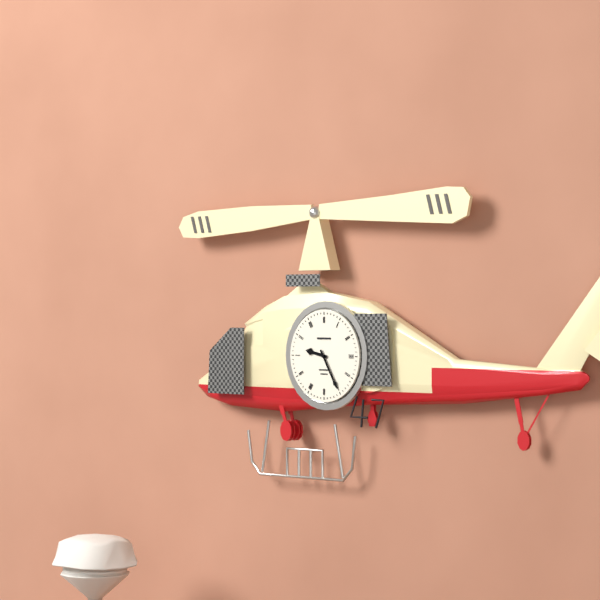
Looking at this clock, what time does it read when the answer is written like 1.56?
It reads 9.25
